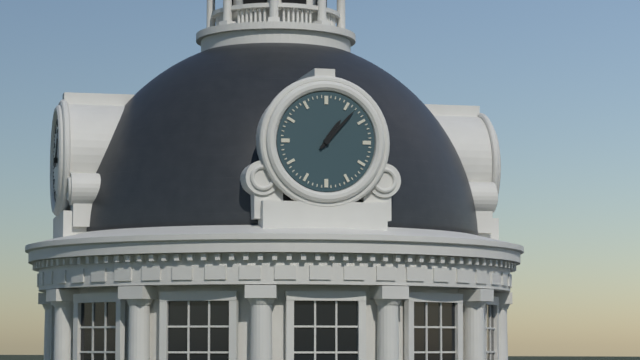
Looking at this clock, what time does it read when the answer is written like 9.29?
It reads 1.07
